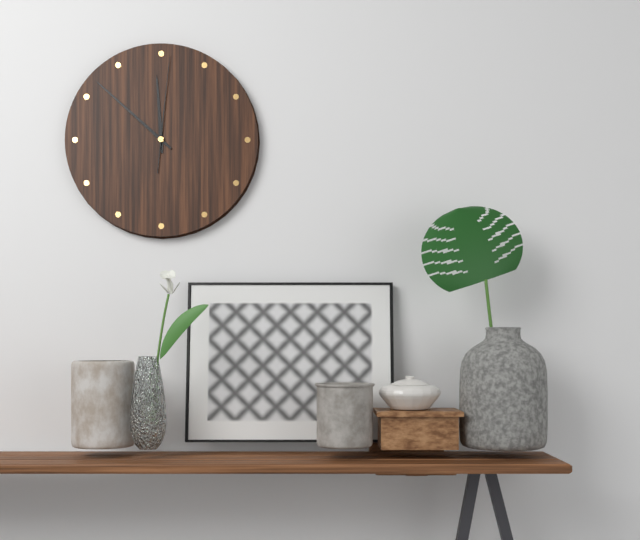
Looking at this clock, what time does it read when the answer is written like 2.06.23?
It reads 11.52.01
